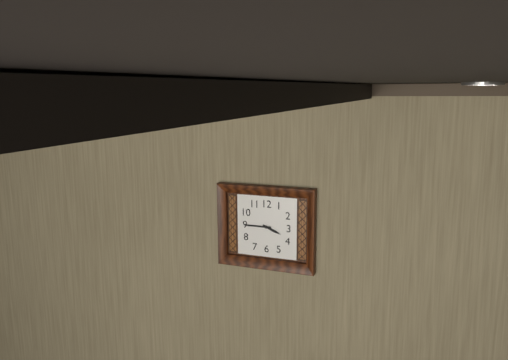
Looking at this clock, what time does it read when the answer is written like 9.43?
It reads 3.45
